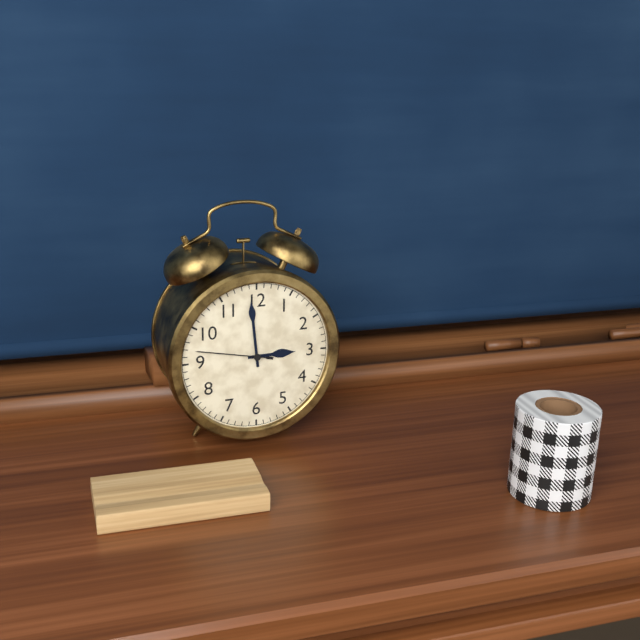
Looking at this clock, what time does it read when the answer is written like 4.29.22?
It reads 2.59.47
